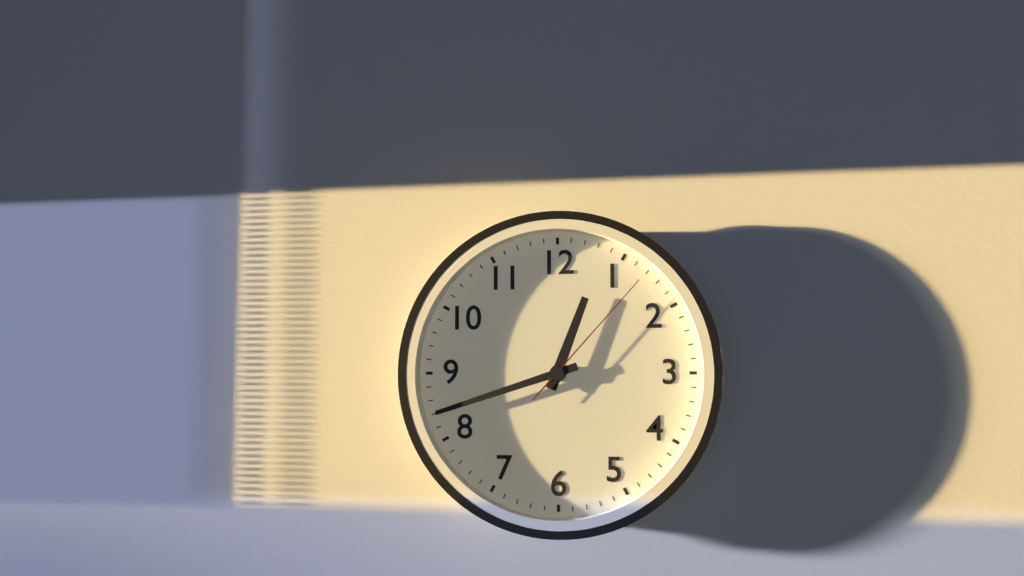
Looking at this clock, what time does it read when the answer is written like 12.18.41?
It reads 12.42.07
